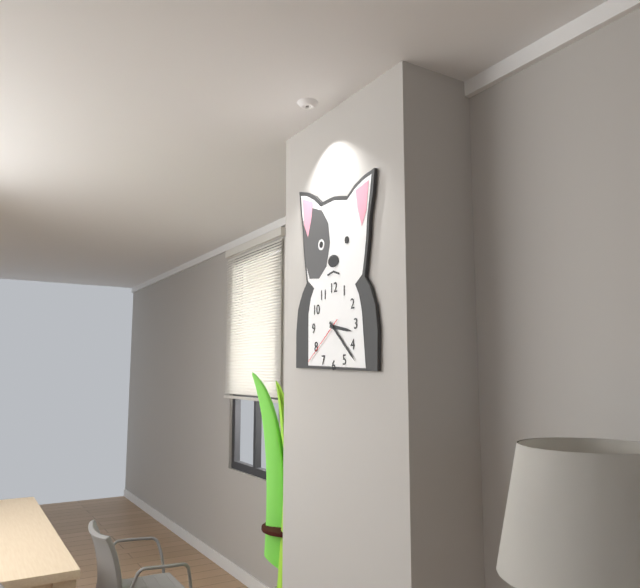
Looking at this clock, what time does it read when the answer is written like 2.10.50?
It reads 3.22.39
